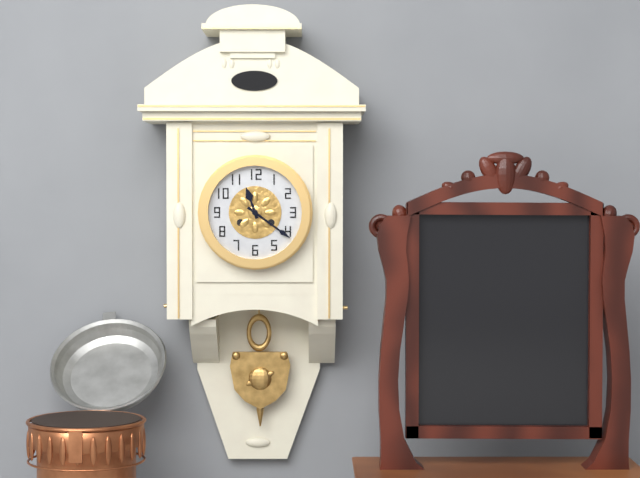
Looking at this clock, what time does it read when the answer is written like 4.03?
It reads 11.21
